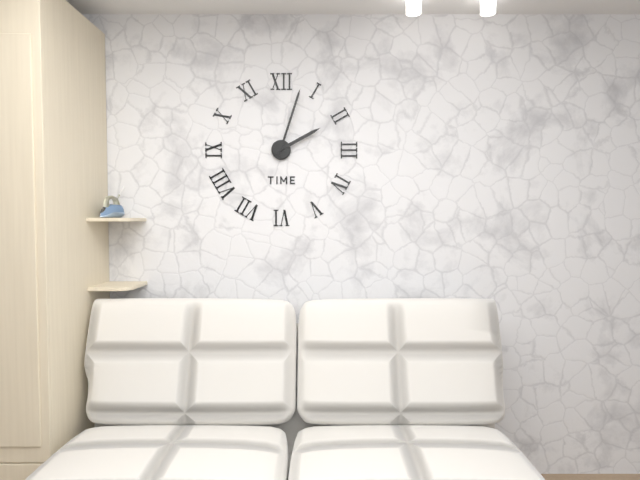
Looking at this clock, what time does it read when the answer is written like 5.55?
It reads 2.03
